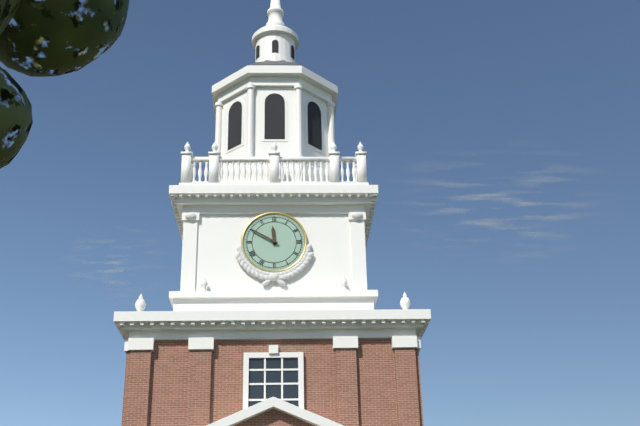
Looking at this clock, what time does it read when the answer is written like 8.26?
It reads 11.50
